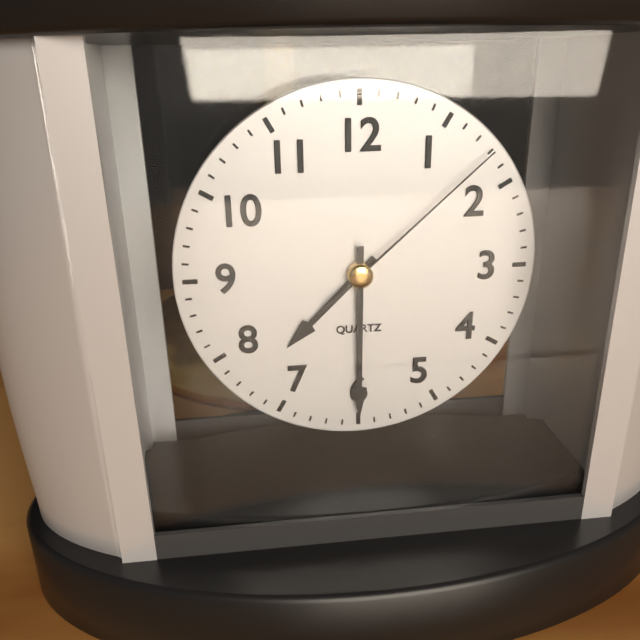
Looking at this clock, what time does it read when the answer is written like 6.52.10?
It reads 7.30.08
